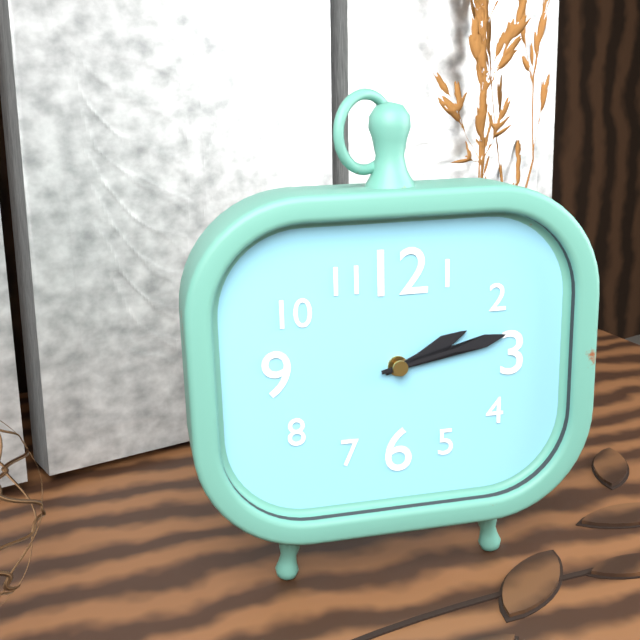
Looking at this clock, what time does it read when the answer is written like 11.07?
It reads 2.13
